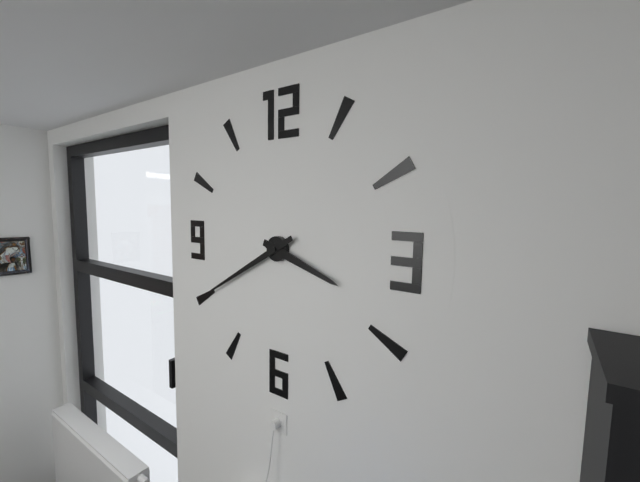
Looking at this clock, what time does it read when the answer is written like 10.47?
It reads 3.40
